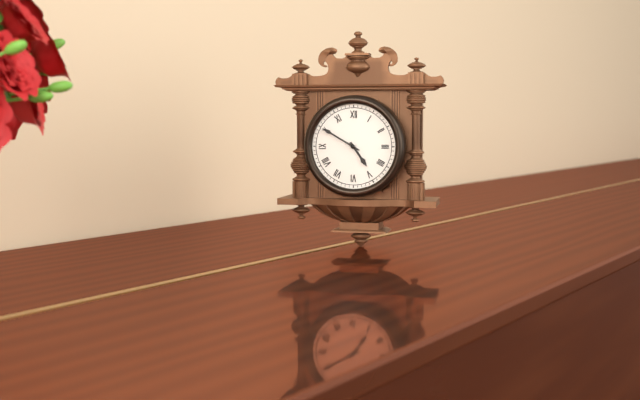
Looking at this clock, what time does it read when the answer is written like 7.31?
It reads 4.50
